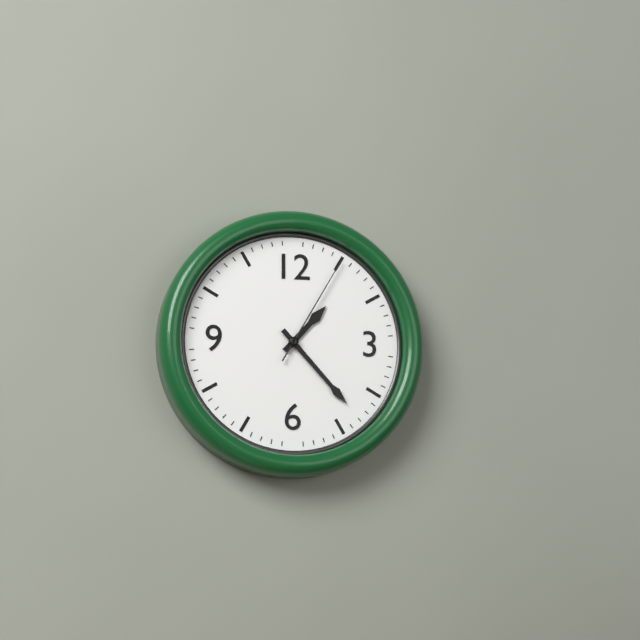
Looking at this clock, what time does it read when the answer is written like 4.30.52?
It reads 1.23.05
